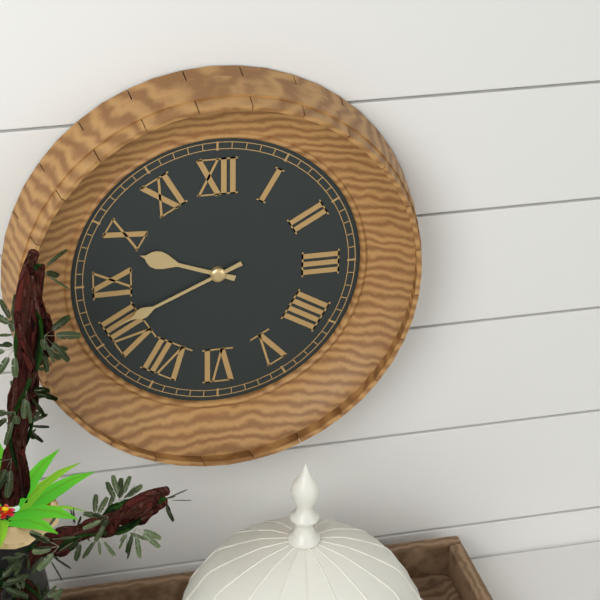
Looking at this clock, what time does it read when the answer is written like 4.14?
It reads 9.41
